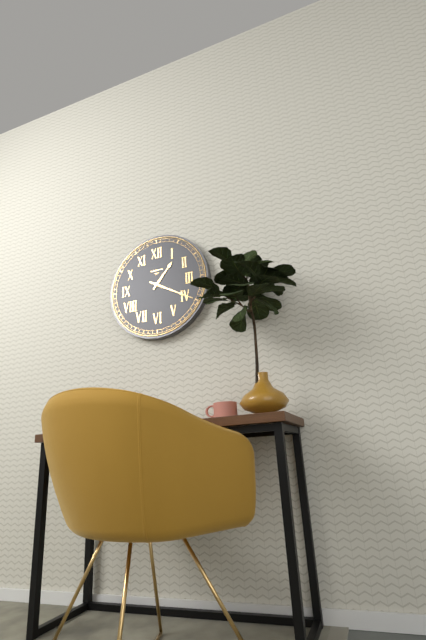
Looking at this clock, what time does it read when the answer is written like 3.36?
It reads 1.20
